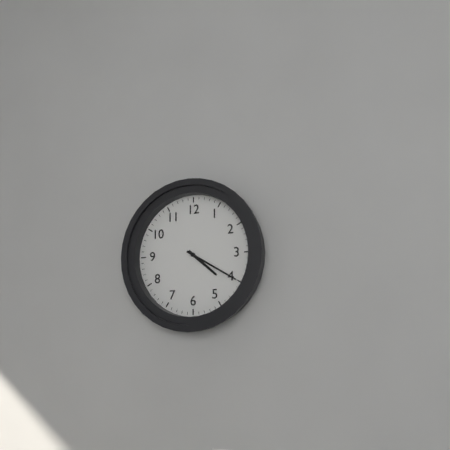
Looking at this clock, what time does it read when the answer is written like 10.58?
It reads 4.20
